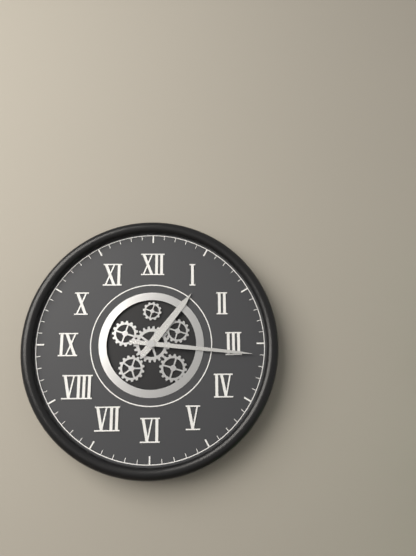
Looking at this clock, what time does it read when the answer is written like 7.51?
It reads 1.16
